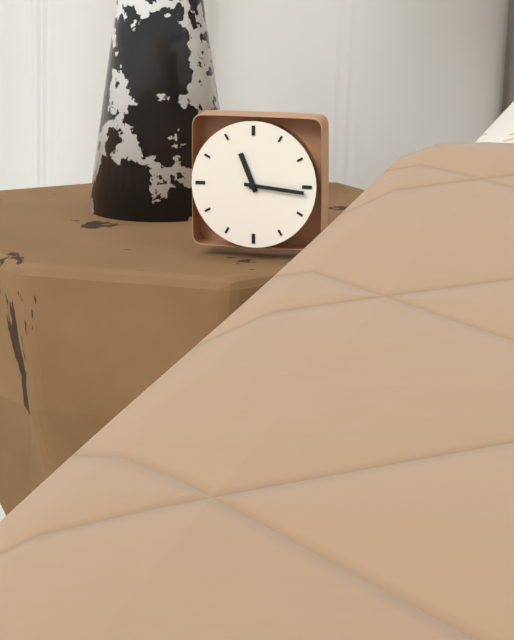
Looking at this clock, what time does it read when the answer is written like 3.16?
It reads 11.16
